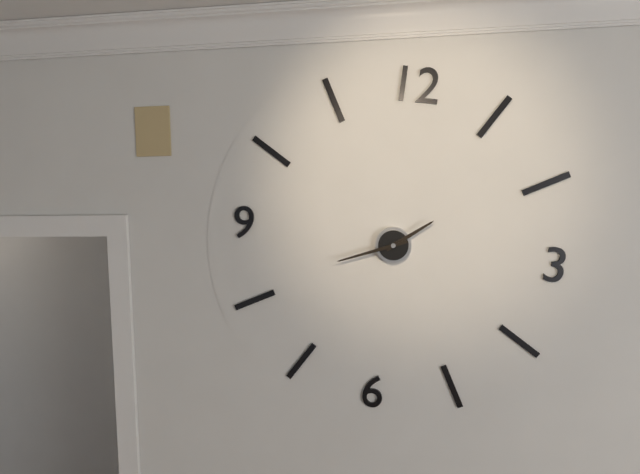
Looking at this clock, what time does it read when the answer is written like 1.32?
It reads 1.41
